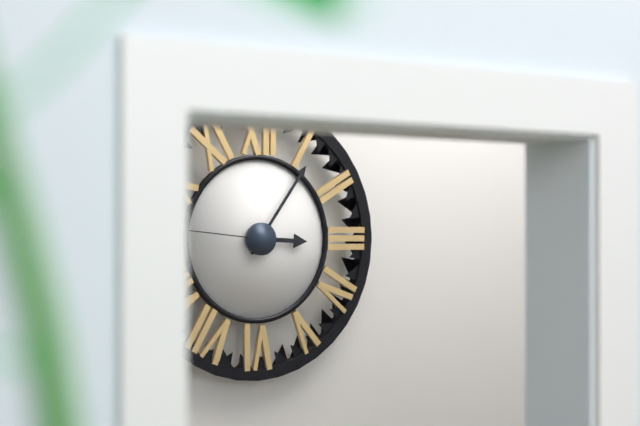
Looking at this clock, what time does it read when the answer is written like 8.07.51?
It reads 3.06.46
